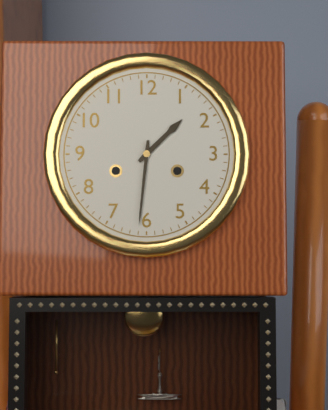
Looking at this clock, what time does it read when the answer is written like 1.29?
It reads 1.31
